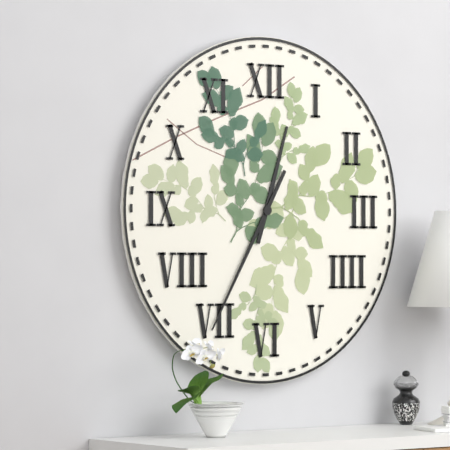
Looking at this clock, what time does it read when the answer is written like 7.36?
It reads 12.35
